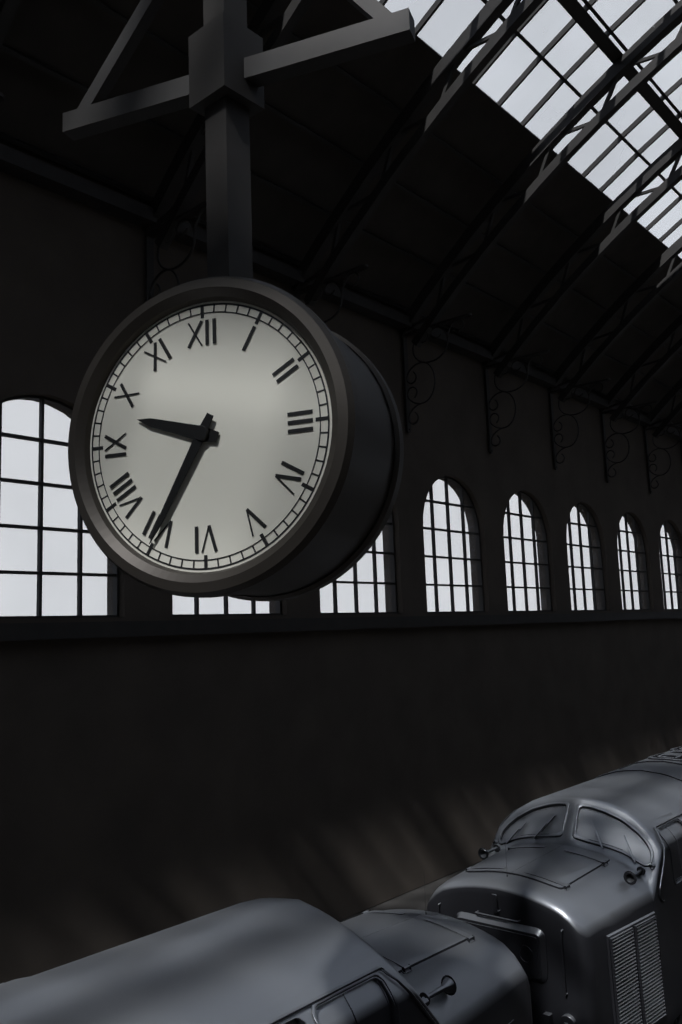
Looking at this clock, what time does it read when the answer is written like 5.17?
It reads 9.35
